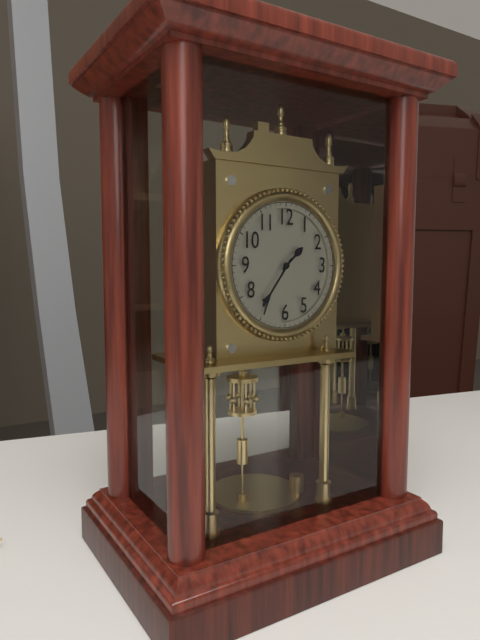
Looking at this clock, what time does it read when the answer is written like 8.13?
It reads 1.36
